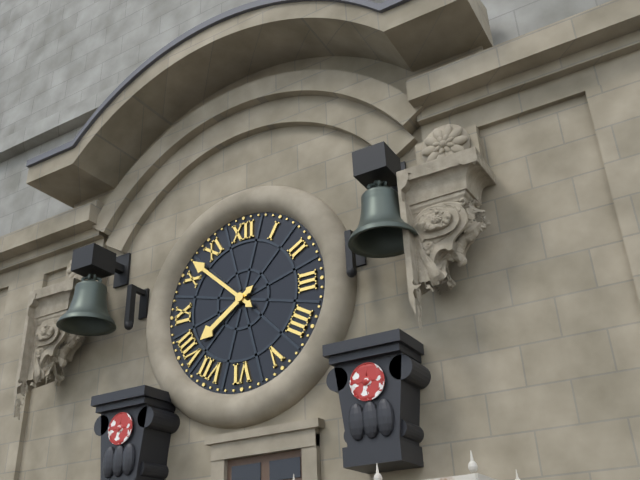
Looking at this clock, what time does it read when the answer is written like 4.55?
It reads 7.52
